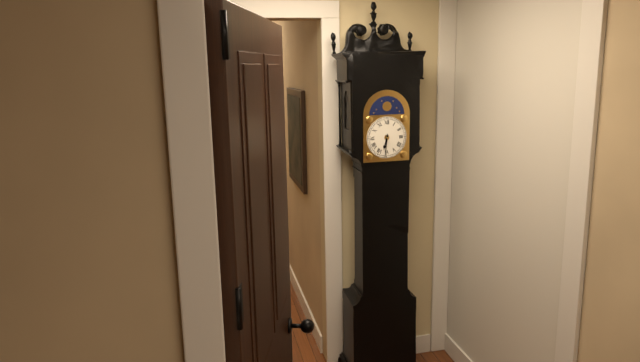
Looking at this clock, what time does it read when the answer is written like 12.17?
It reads 6.31
